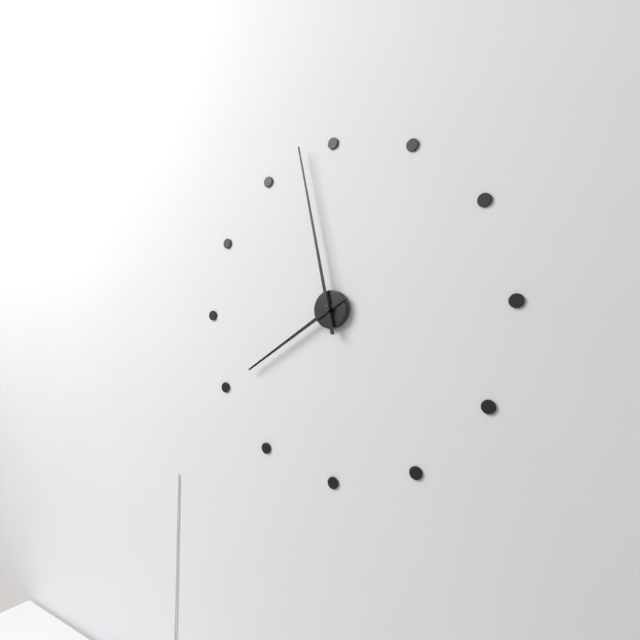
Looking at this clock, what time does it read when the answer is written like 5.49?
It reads 7.58
